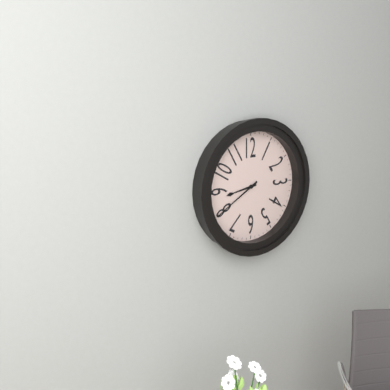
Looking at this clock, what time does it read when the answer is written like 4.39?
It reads 8.40
